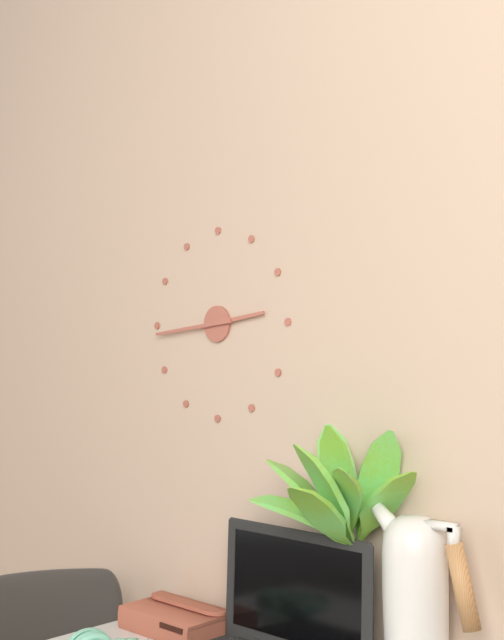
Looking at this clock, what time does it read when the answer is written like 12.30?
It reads 2.44
